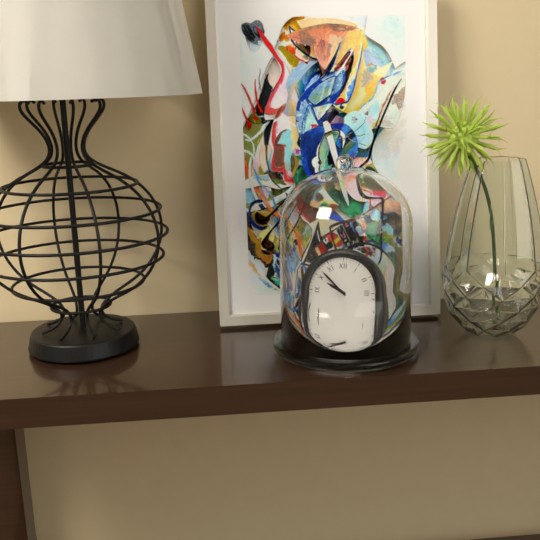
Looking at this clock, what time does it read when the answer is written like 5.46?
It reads 9.52
